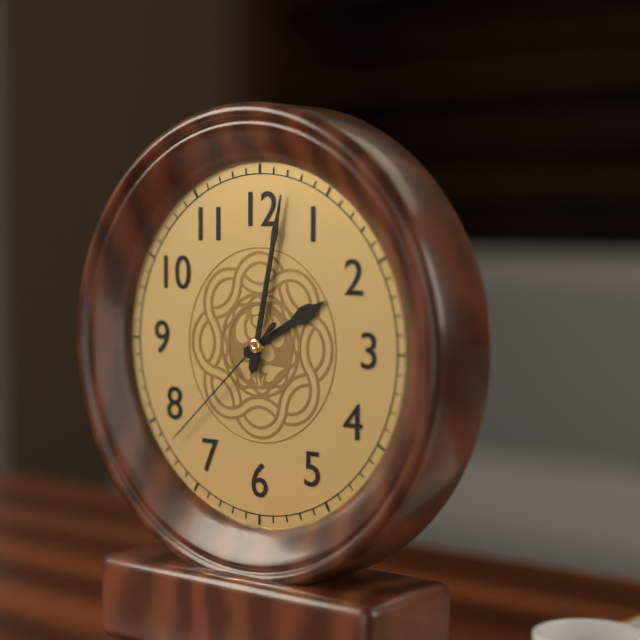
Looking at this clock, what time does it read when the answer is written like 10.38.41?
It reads 2.02.38
